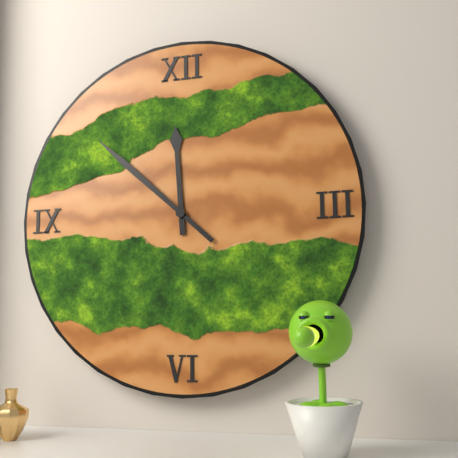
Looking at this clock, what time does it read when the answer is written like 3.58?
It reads 11.52
